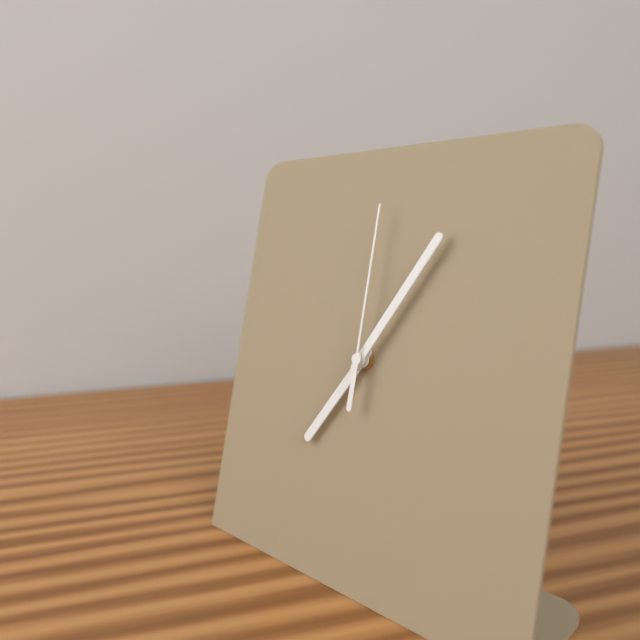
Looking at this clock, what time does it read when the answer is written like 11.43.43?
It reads 7.05.00
